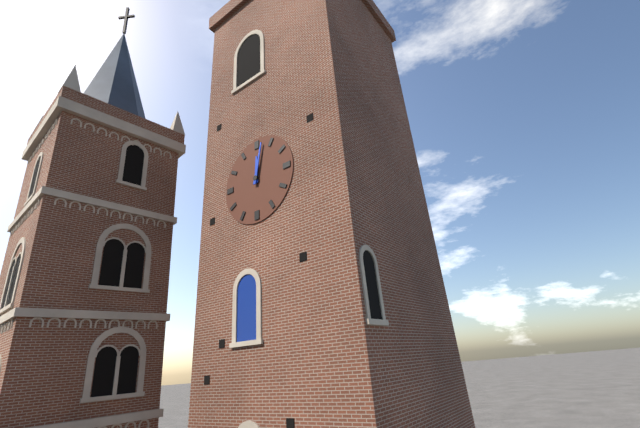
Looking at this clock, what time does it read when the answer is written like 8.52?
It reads 12.02
